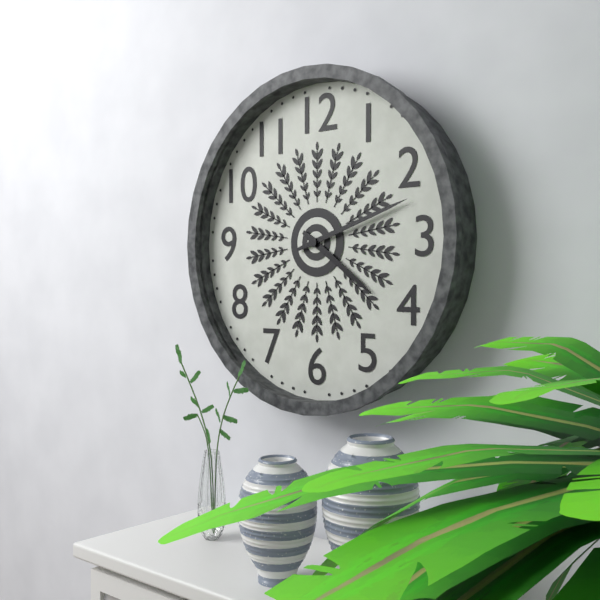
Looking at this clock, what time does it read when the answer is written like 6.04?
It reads 4.12
